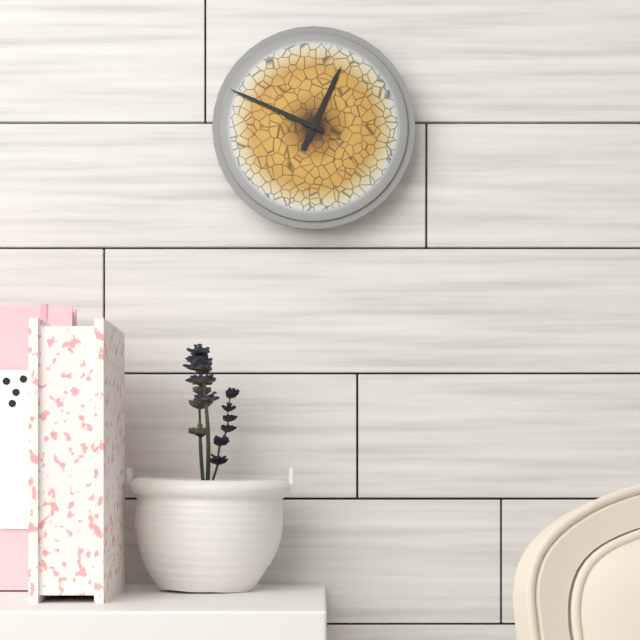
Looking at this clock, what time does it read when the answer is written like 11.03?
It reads 12.49
